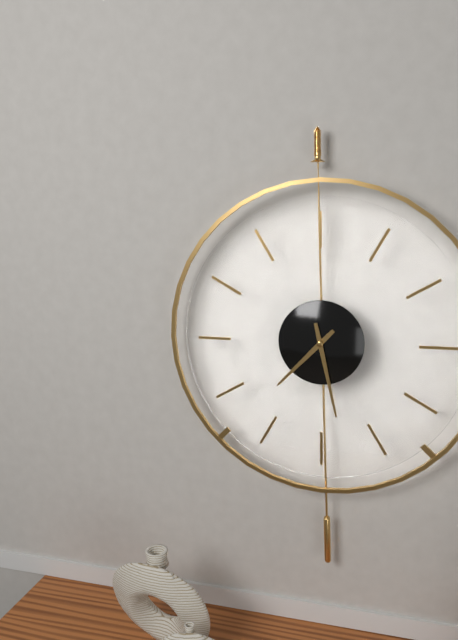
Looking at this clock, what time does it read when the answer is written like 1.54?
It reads 7.28
